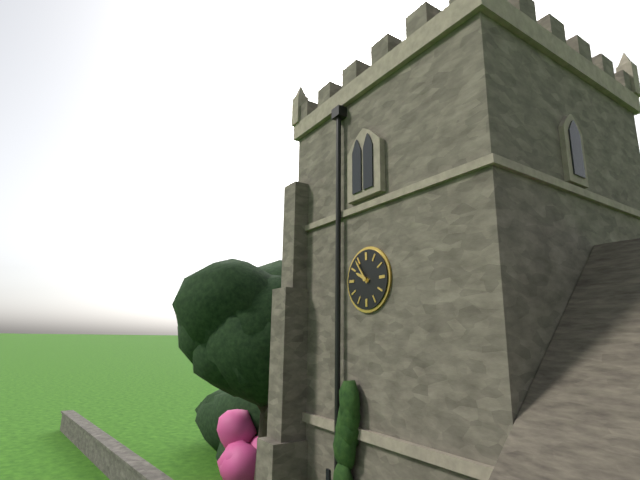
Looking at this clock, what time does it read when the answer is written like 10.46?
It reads 9.54
